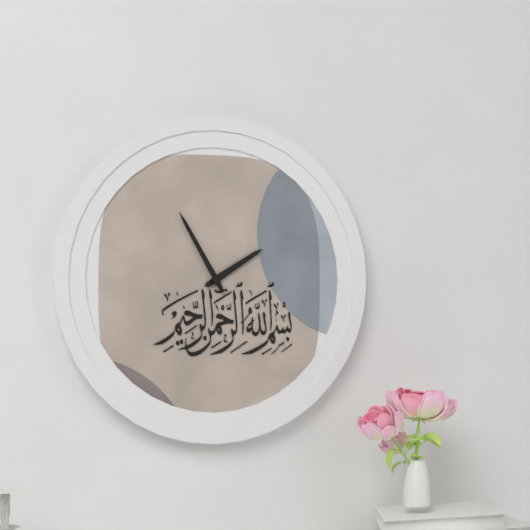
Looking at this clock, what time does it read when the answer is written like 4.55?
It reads 1.55
